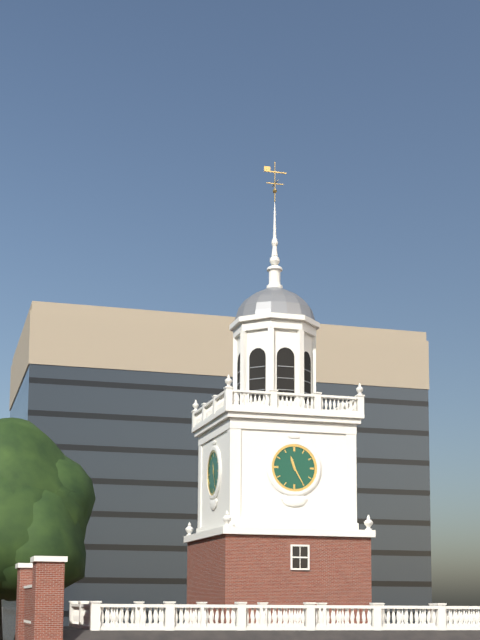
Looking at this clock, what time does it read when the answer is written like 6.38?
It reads 11.25
